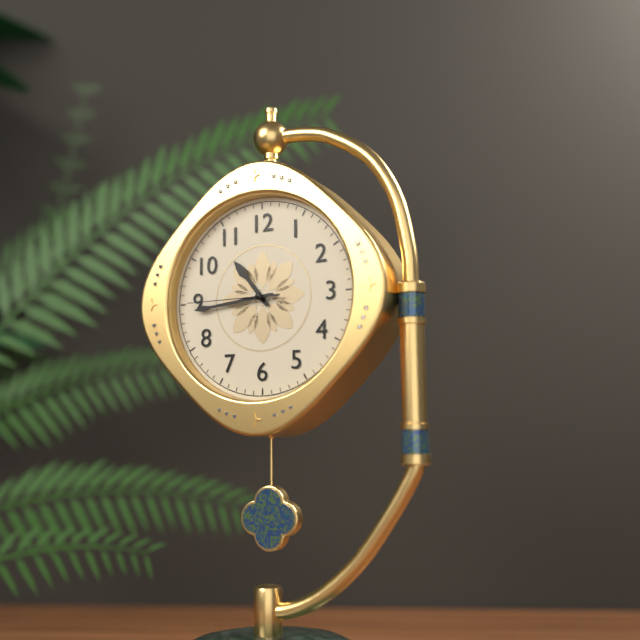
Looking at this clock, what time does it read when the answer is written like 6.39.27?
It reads 10.44.45
